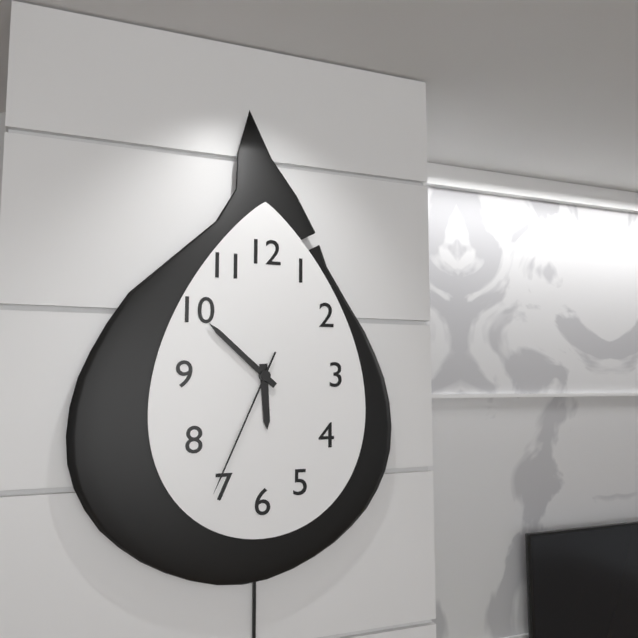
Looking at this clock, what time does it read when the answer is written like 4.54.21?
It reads 5.52.34
